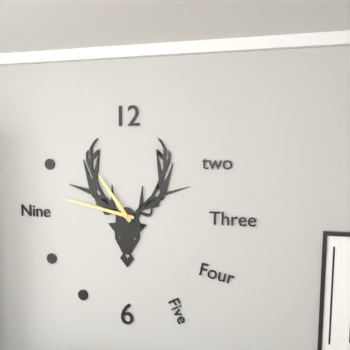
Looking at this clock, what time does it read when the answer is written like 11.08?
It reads 10.47
